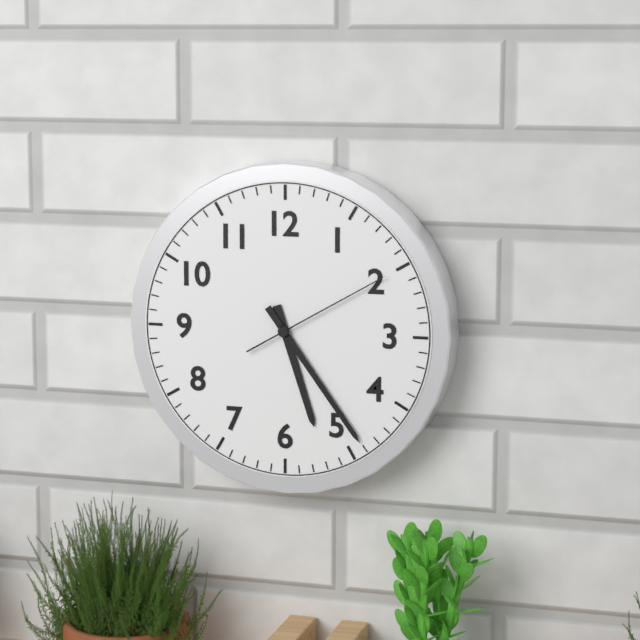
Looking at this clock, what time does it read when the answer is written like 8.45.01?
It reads 5.24.10
